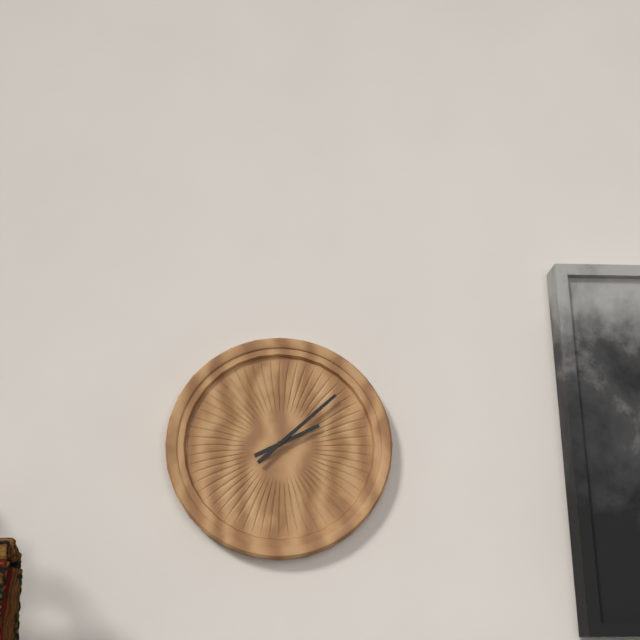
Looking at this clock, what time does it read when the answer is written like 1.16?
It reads 2.08
